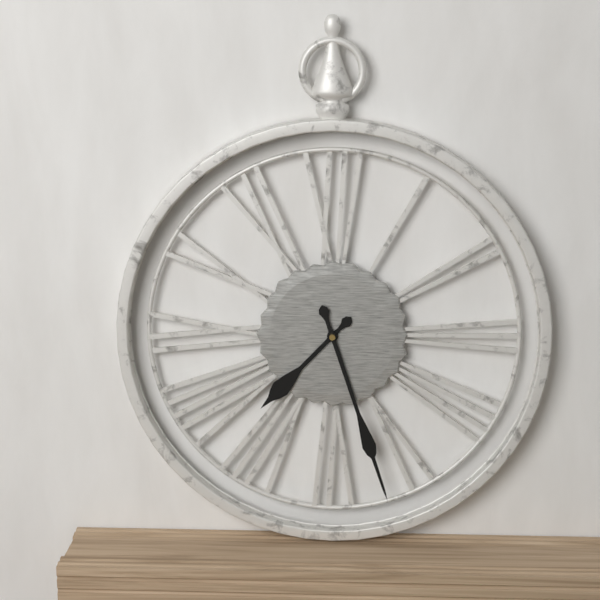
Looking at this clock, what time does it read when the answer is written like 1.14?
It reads 7.27
